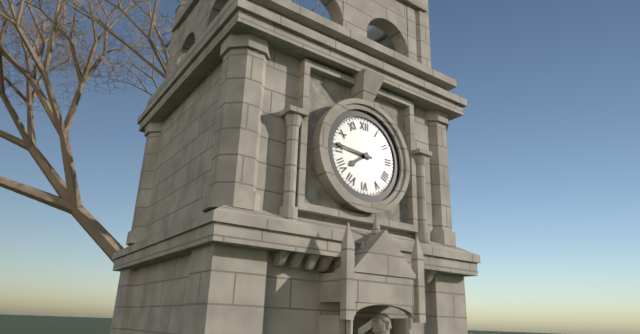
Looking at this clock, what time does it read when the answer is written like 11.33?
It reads 7.46
